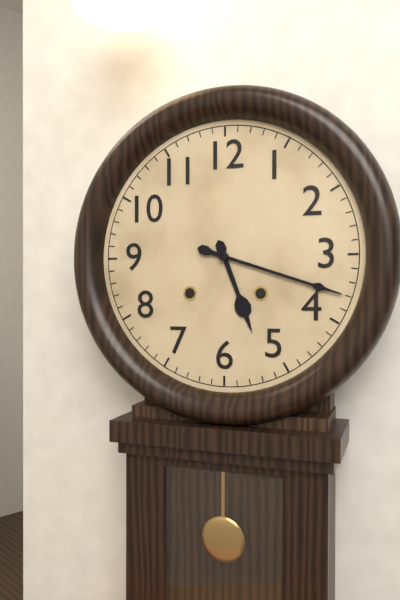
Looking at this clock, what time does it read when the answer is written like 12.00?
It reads 5.18
